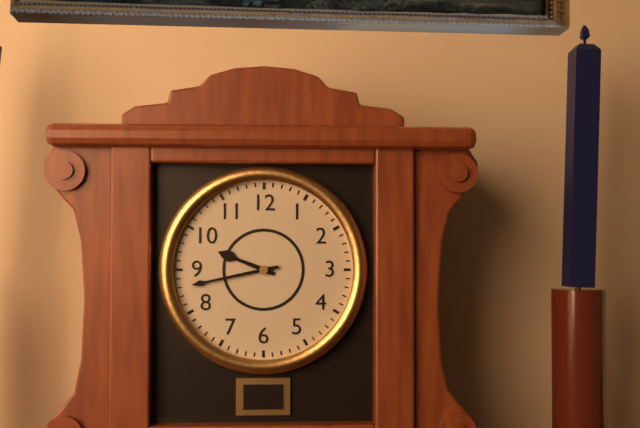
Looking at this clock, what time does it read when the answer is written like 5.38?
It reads 9.43
